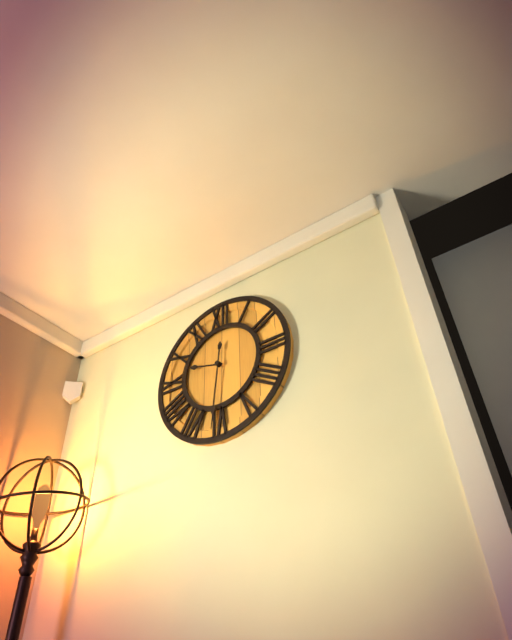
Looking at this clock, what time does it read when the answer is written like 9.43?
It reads 9.31
